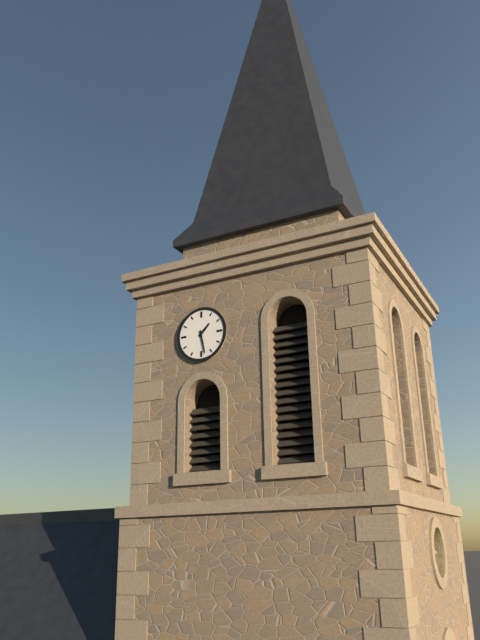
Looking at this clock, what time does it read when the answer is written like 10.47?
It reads 1.28
